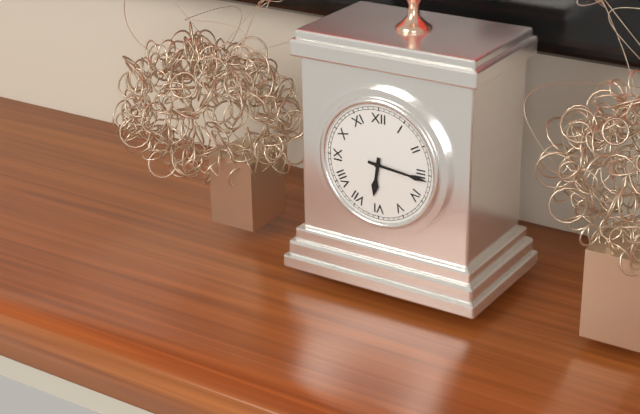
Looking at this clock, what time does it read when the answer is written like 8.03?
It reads 6.16
